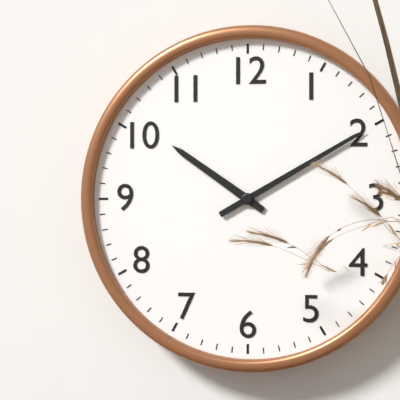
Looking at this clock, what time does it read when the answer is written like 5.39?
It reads 10.10
